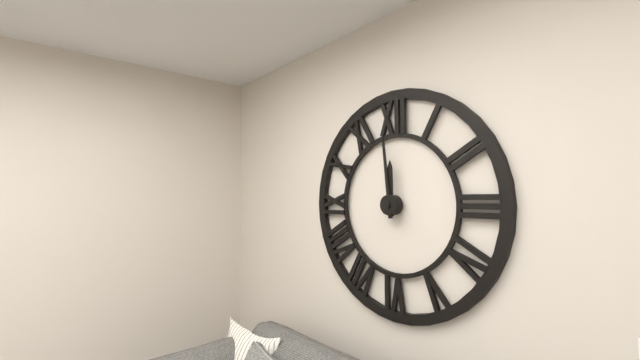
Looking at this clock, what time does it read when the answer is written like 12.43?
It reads 11.59
